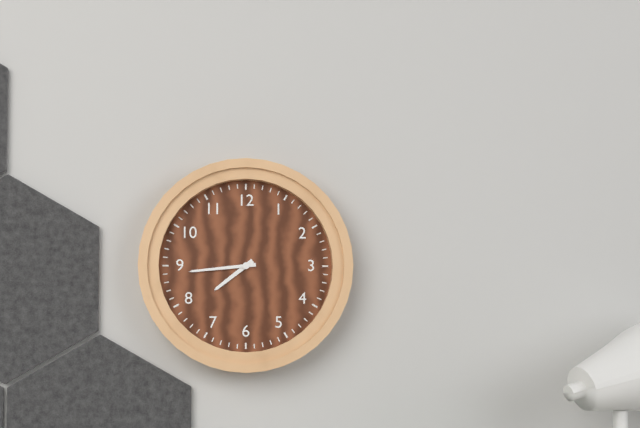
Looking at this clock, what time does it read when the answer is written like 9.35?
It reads 7.44
